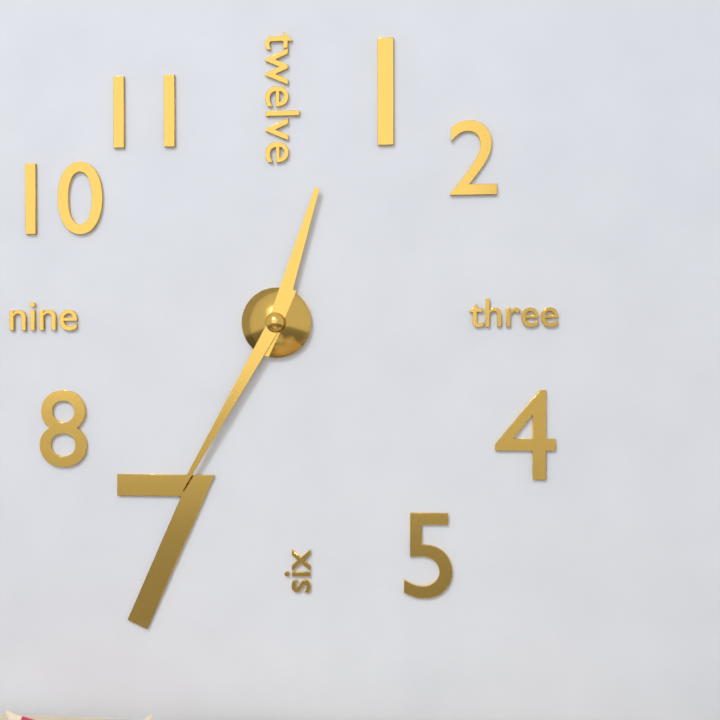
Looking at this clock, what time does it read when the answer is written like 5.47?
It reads 12.35
